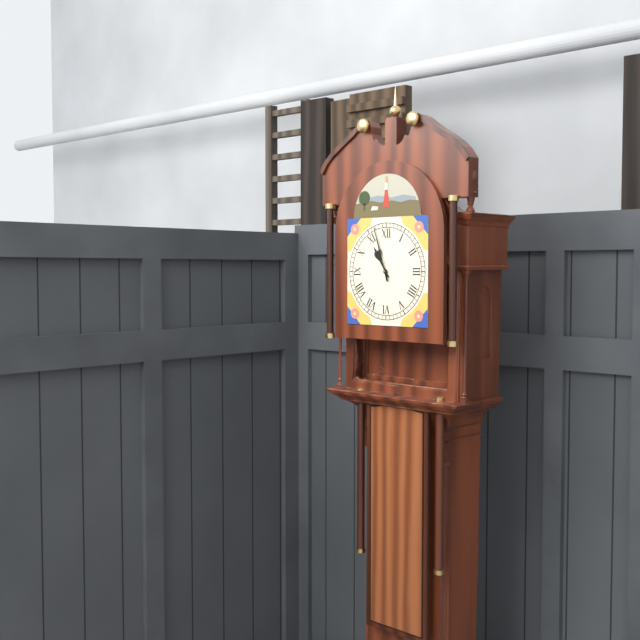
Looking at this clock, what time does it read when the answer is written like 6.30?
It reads 10.57
